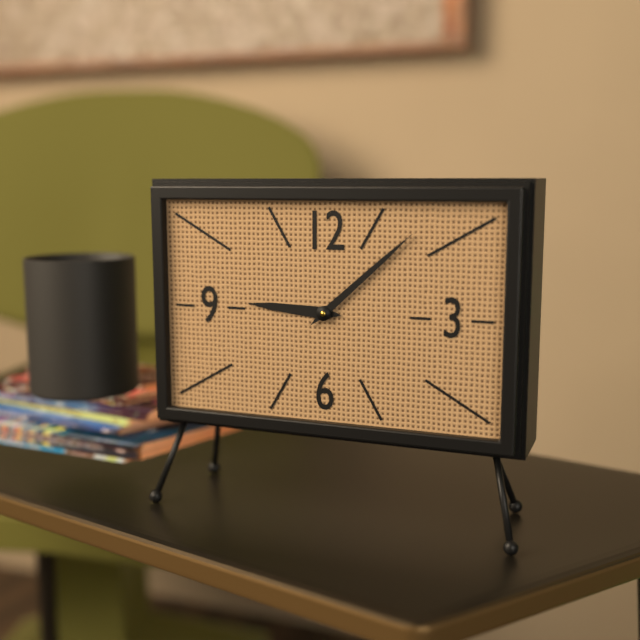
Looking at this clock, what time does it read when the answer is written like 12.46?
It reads 9.08
